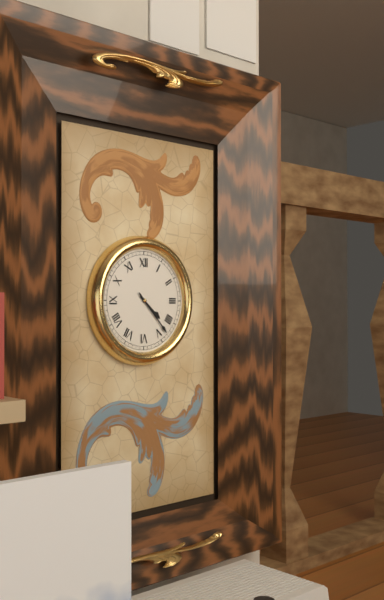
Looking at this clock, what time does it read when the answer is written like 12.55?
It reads 4.23
